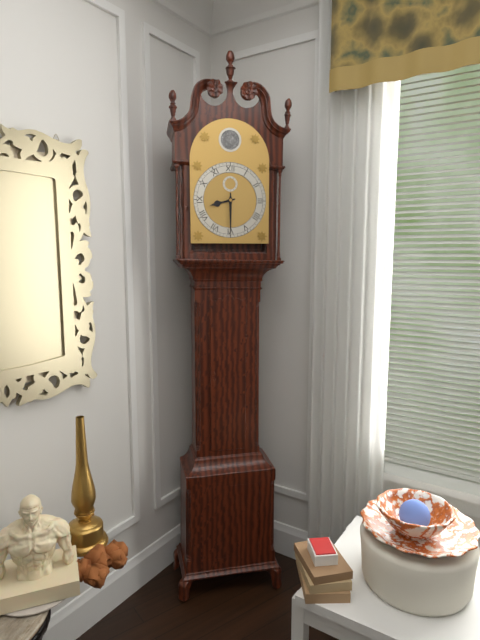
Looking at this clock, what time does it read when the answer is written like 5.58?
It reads 8.30
